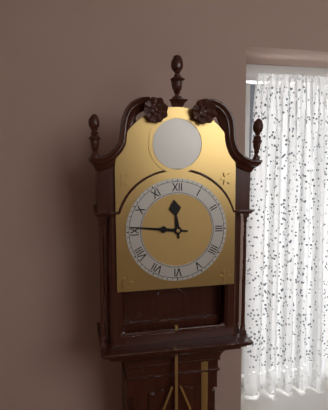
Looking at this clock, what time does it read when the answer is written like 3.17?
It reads 11.46
